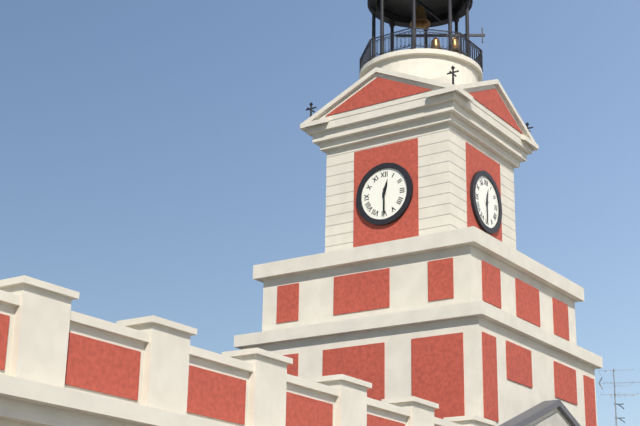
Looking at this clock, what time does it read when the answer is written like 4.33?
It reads 12.30
